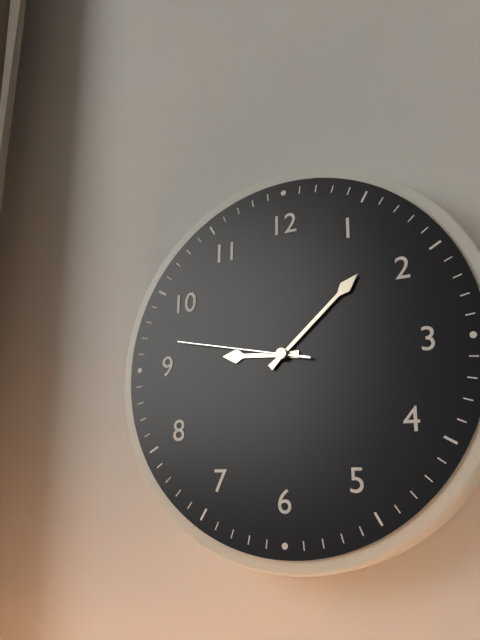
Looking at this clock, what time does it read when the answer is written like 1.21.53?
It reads 9.08.47
